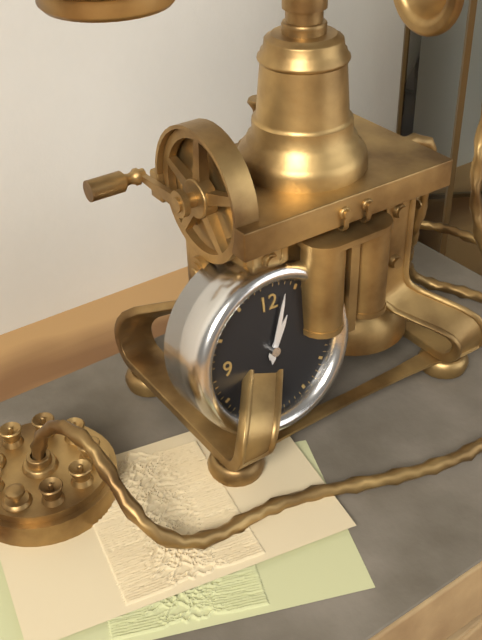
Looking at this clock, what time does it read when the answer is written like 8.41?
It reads 1.03
